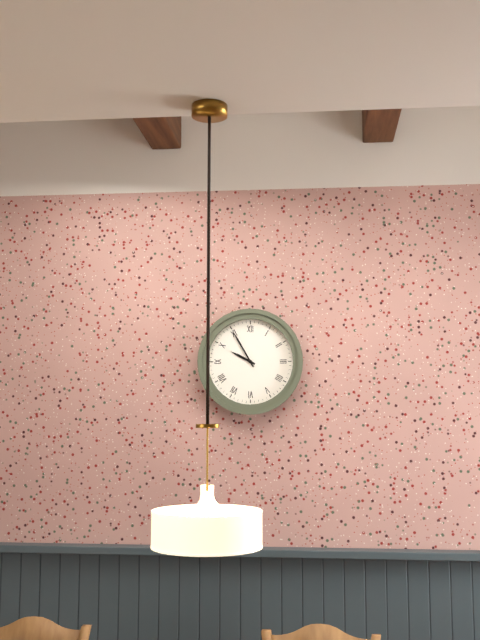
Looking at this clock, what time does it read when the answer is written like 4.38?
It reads 9.55
